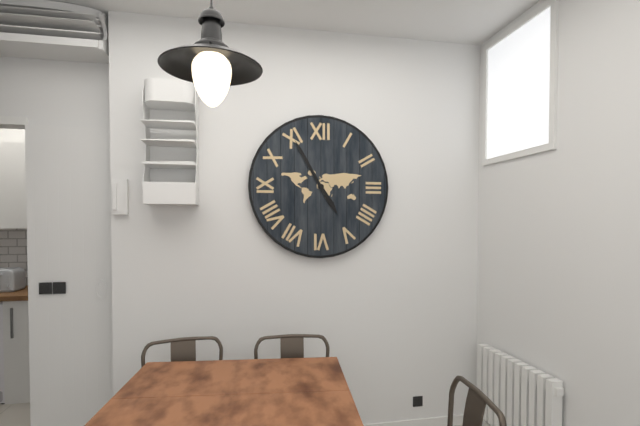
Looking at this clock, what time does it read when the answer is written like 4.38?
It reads 4.55
